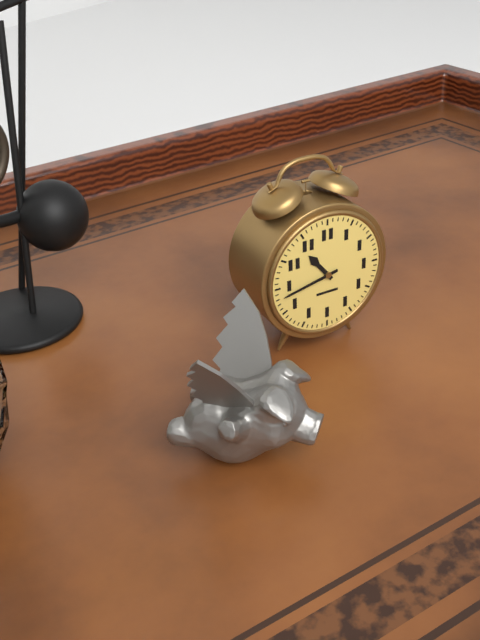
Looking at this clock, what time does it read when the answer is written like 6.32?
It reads 10.43
